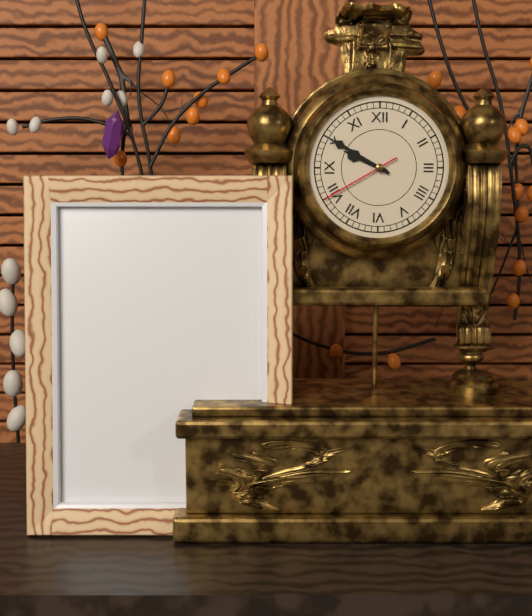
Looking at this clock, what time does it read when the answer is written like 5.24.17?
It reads 9.50.40
